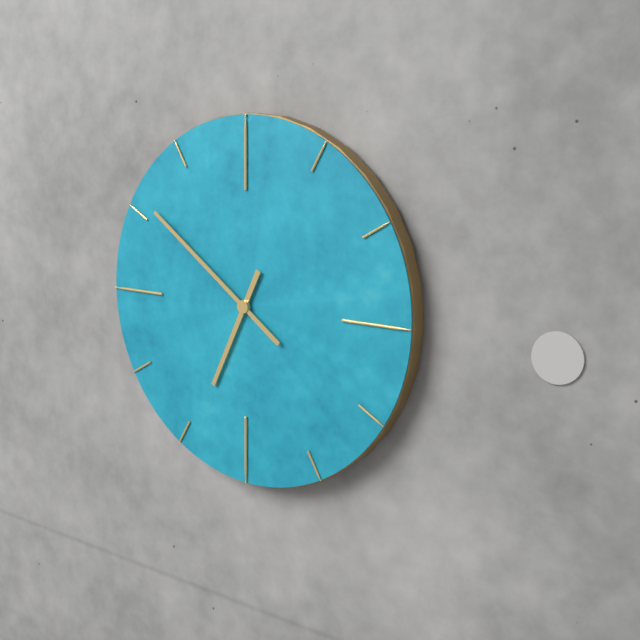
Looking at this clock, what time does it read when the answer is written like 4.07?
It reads 6.51
